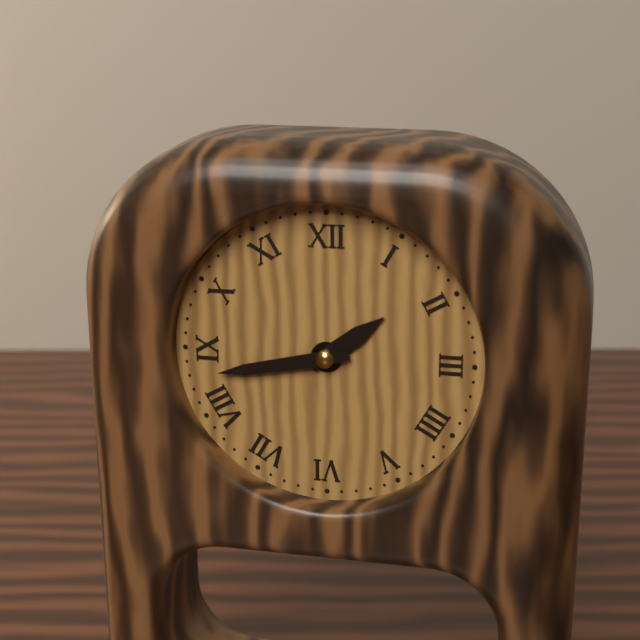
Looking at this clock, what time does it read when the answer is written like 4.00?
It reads 1.43
